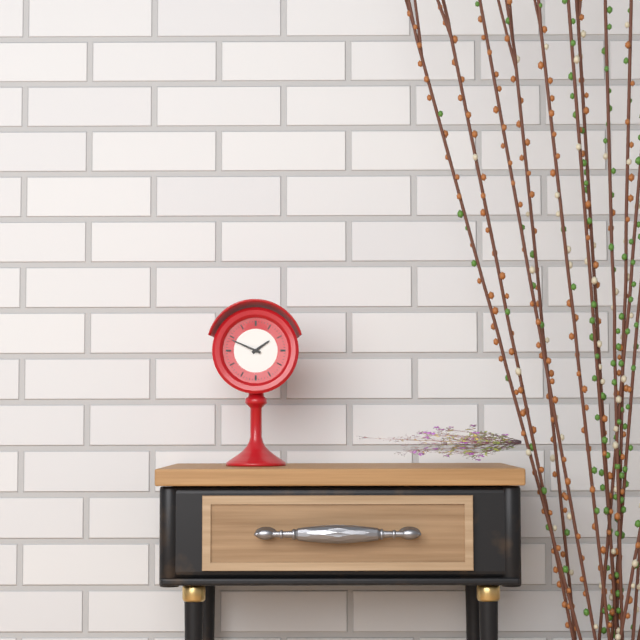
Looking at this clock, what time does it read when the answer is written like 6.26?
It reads 1.49
